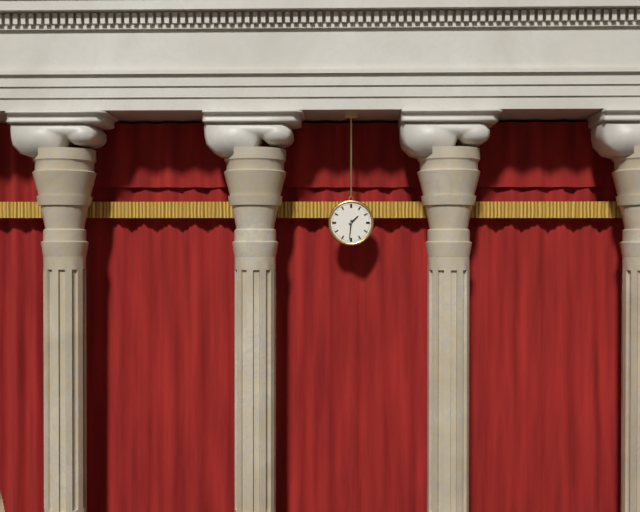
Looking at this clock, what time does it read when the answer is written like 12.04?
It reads 1.31
